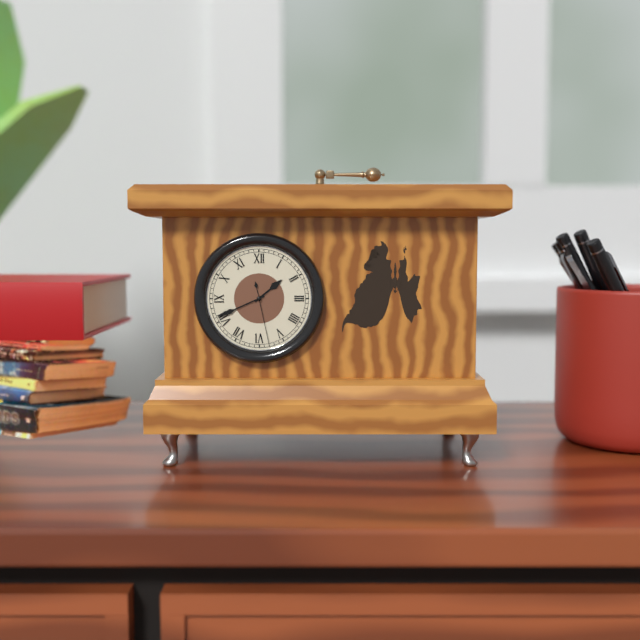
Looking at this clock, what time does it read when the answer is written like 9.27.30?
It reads 1.41.28
